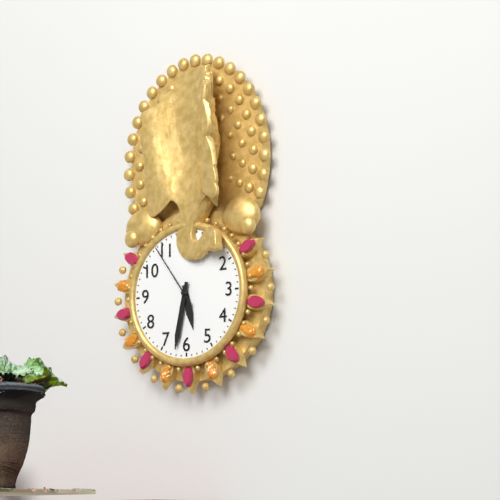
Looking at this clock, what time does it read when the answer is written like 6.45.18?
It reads 5.32.54
